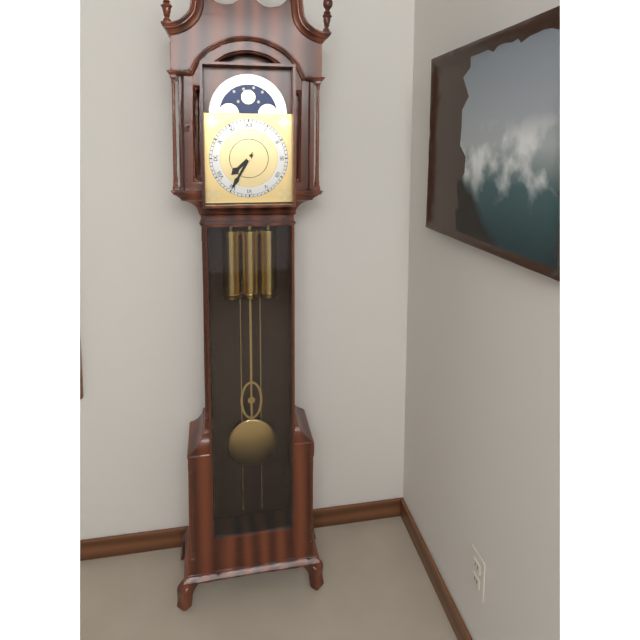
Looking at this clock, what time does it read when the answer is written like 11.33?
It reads 7.35
